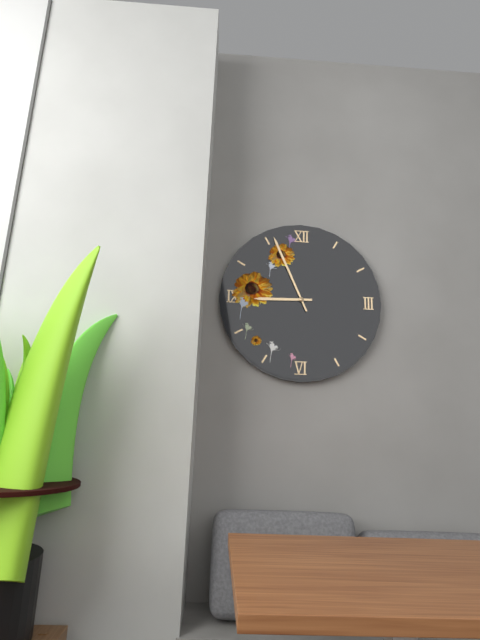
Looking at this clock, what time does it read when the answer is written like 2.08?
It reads 8.56
